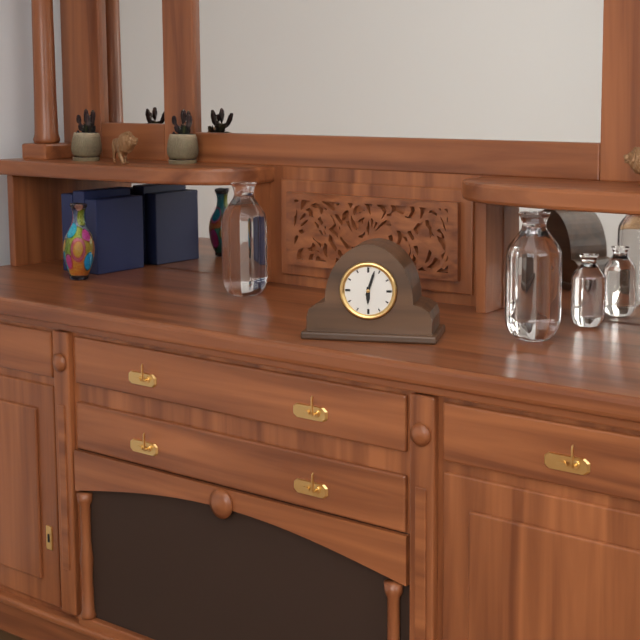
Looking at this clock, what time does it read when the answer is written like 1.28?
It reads 6.03
